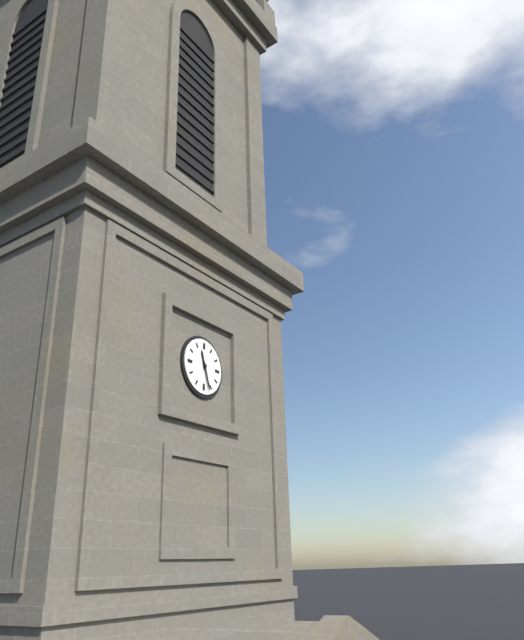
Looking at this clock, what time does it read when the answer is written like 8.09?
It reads 11.27
